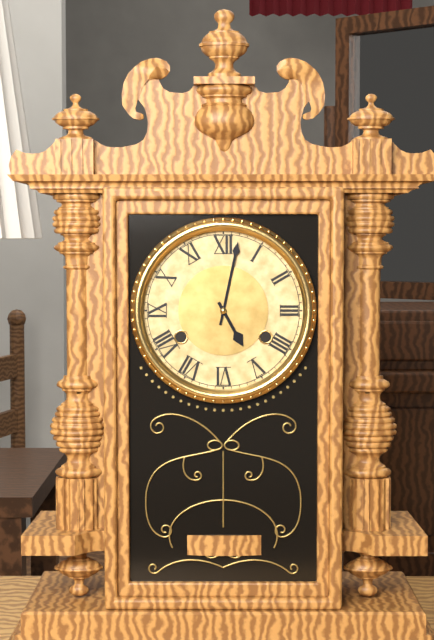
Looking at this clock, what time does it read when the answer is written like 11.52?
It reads 5.02
